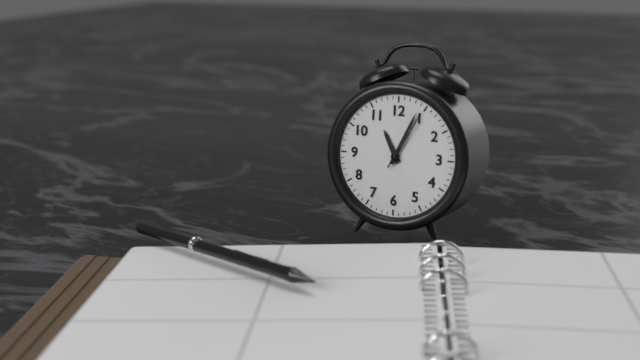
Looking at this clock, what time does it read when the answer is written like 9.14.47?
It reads 11.04.05
